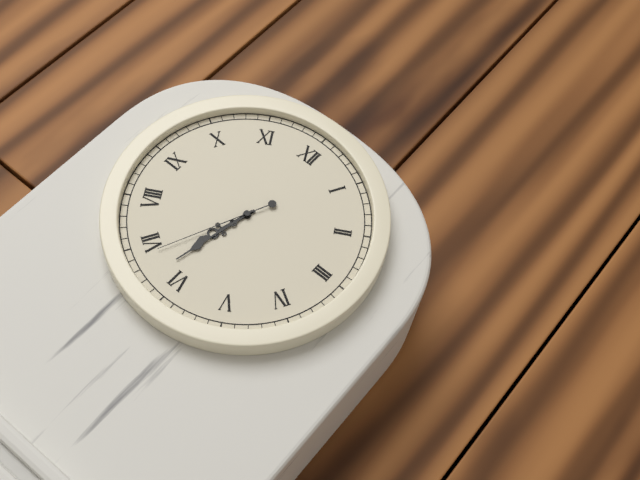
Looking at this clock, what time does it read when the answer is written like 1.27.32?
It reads 6.32.34
